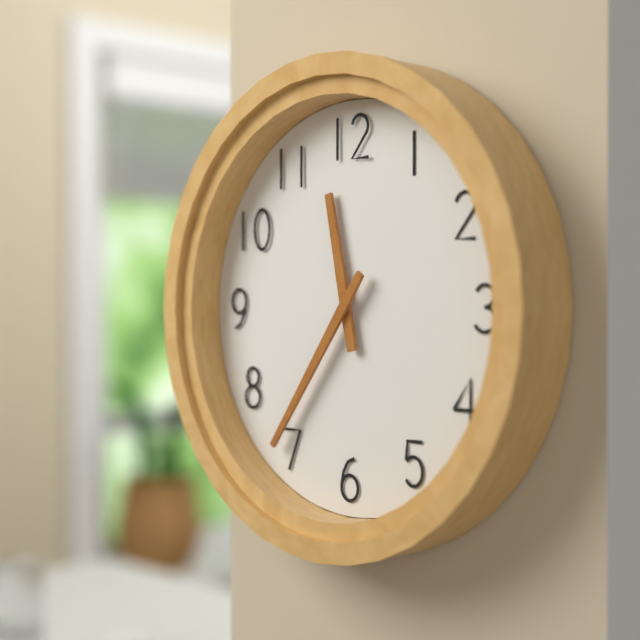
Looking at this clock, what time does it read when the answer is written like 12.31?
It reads 11.36
